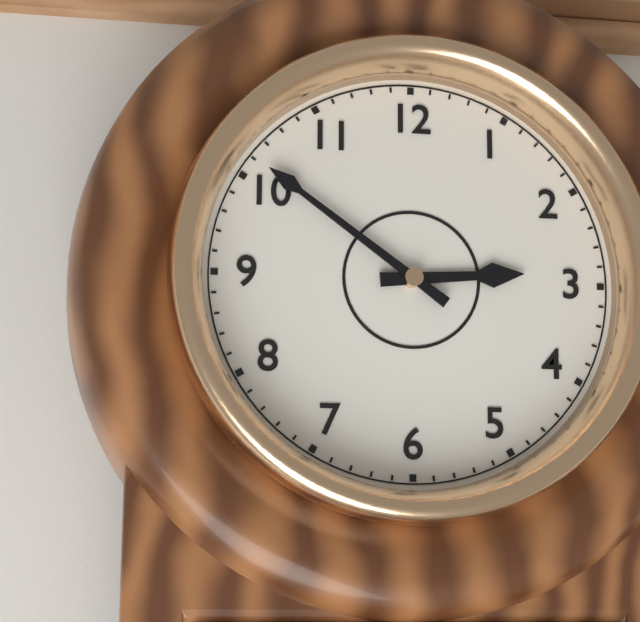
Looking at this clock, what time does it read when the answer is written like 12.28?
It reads 2.51
